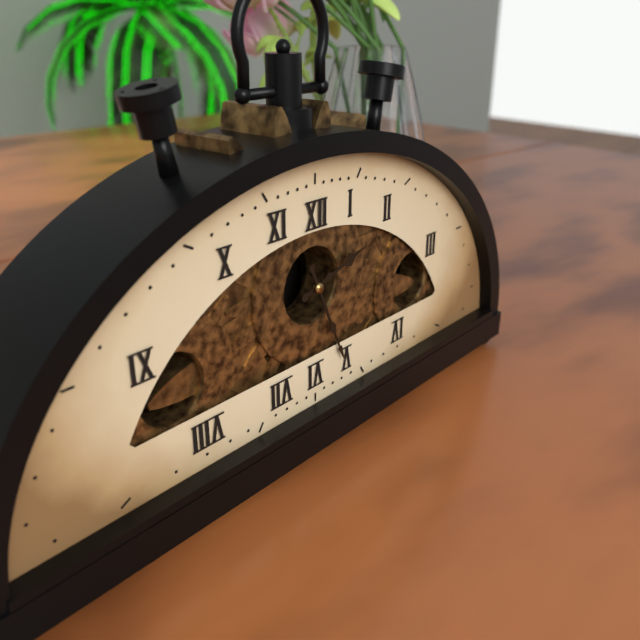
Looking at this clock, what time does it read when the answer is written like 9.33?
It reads 2.26
